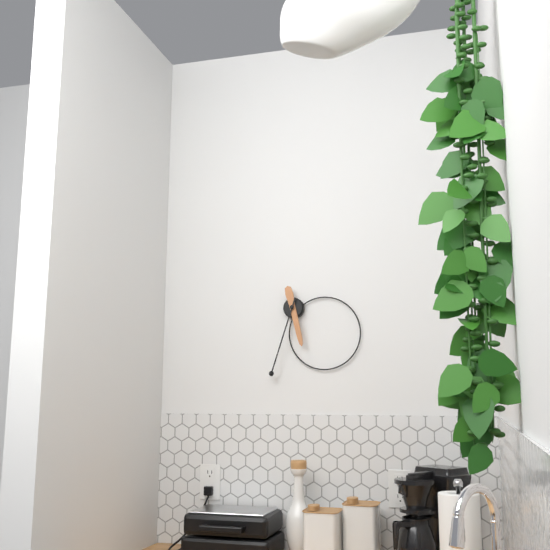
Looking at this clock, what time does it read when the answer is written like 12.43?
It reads 5.33
